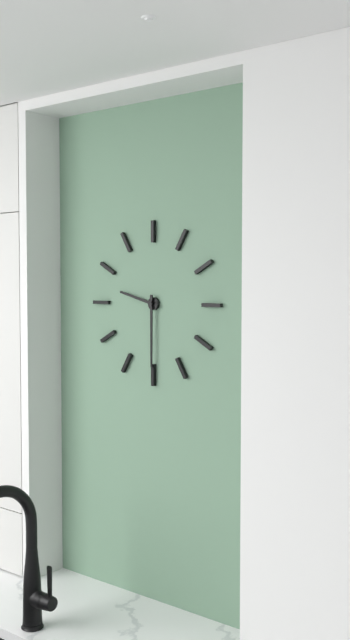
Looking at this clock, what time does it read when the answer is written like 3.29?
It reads 9.30
